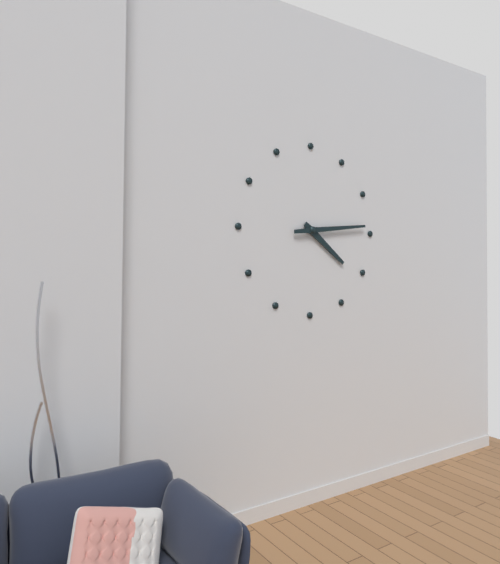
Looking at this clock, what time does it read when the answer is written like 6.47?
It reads 4.14
